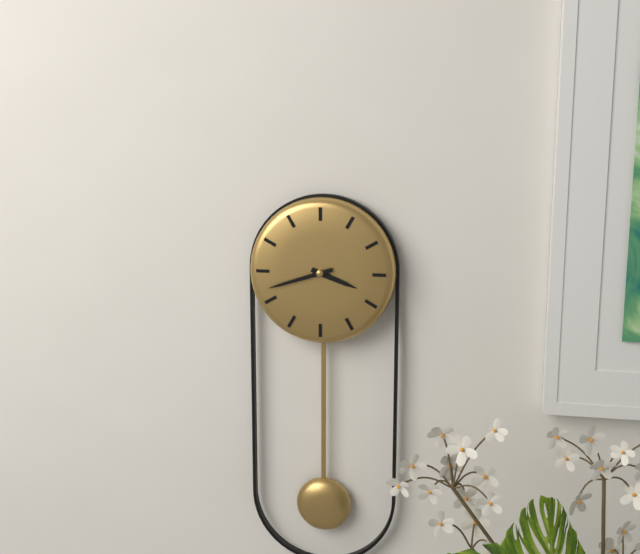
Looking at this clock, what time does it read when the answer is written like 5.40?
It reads 3.42
